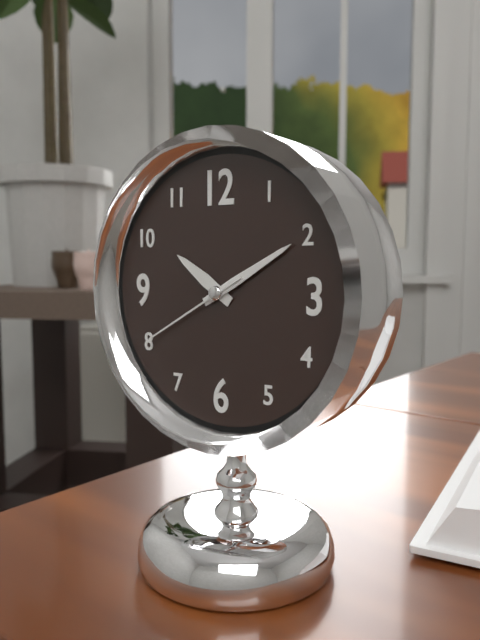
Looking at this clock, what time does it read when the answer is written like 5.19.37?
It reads 10.10.40
